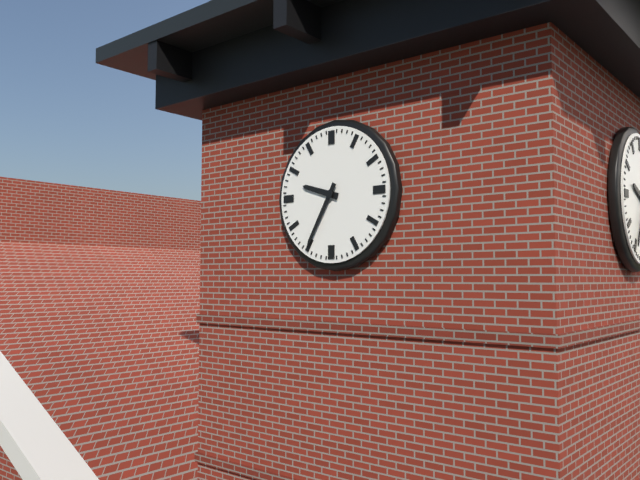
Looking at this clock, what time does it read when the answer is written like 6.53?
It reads 9.35
